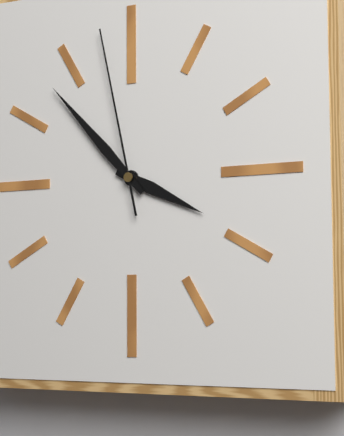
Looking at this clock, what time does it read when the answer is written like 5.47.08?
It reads 3.53.58
